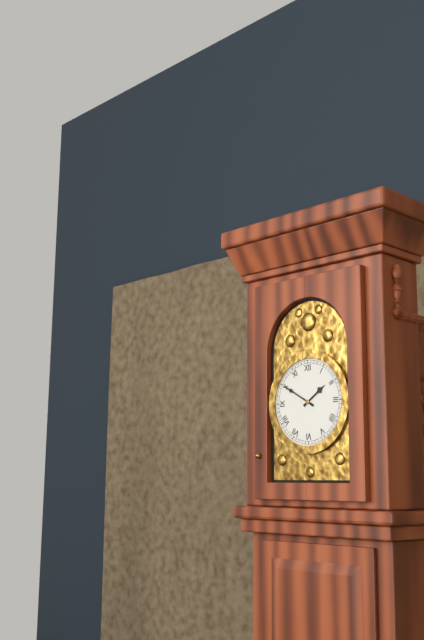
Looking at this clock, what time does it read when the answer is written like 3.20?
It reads 1.50
